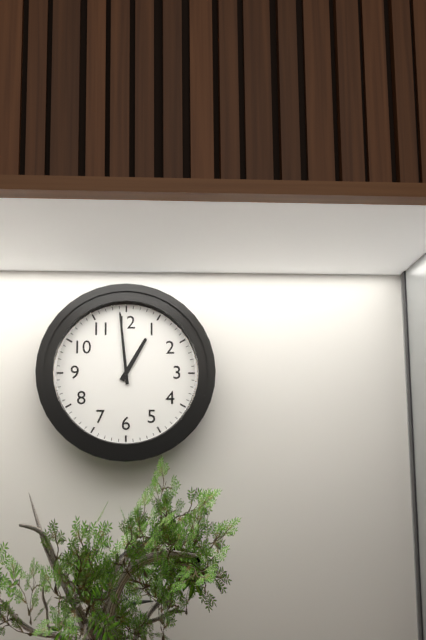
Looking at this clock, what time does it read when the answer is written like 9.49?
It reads 12.59
